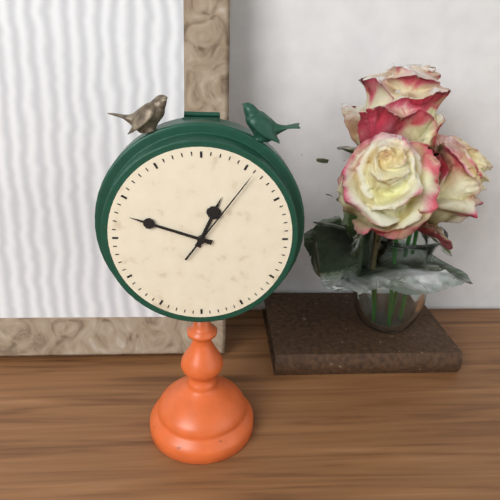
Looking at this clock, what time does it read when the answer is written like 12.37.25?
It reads 12.48.06
